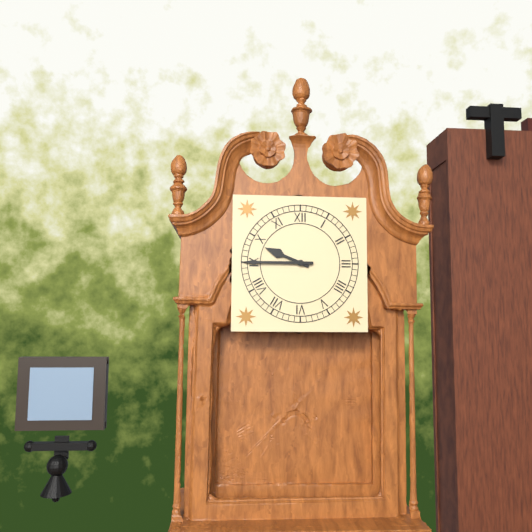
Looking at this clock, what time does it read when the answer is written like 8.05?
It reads 9.45
